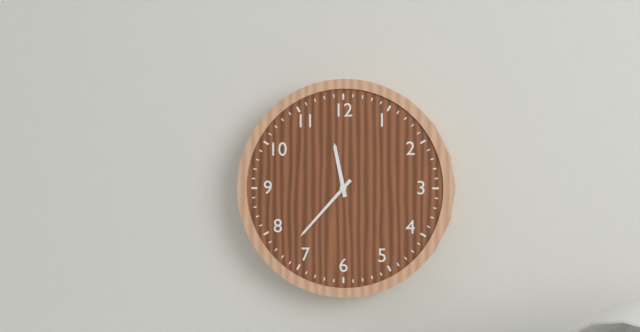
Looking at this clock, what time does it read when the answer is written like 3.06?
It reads 11.37
